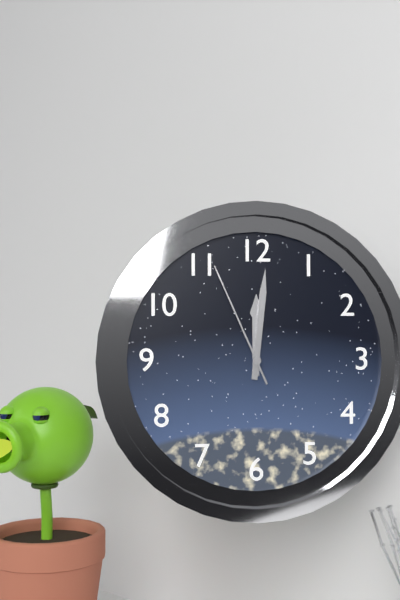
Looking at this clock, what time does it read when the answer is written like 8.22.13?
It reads 12.01.56
